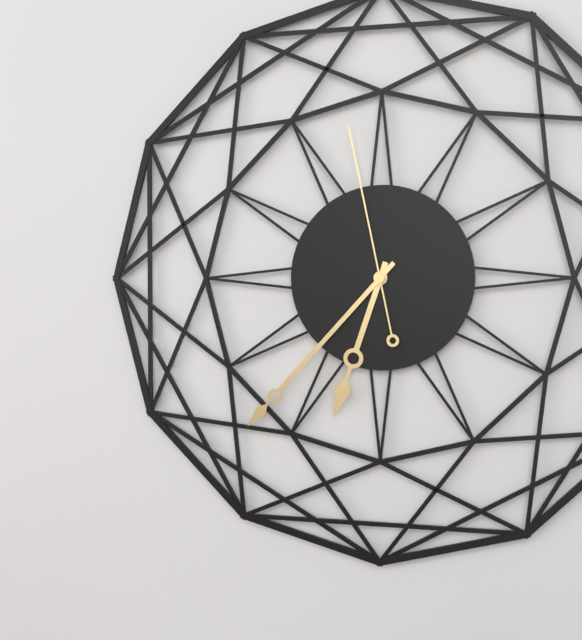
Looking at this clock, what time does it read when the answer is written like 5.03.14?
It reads 6.37.58
